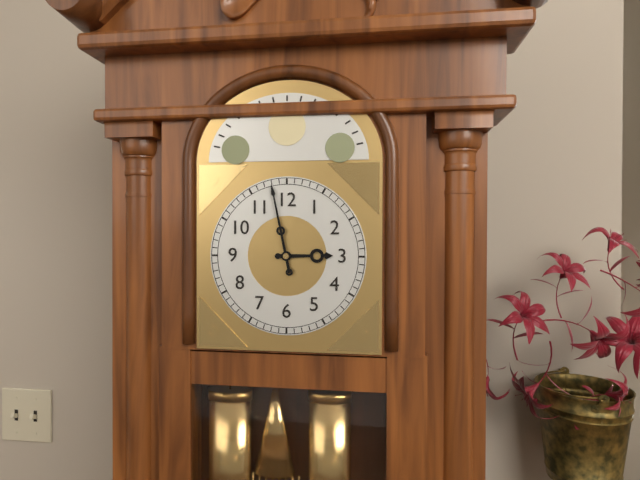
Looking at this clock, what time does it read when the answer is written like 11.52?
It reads 2.58
